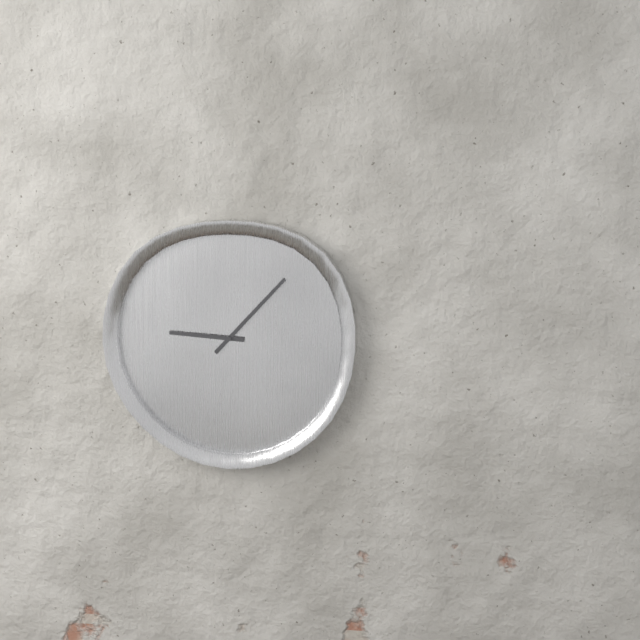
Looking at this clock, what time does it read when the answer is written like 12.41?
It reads 9.07
